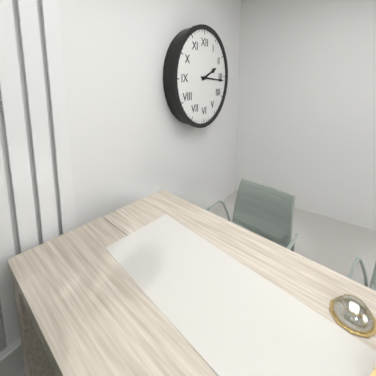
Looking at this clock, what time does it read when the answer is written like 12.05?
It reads 2.16
